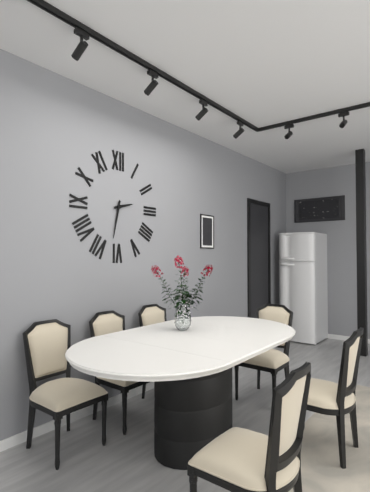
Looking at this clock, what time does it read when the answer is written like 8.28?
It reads 2.32
